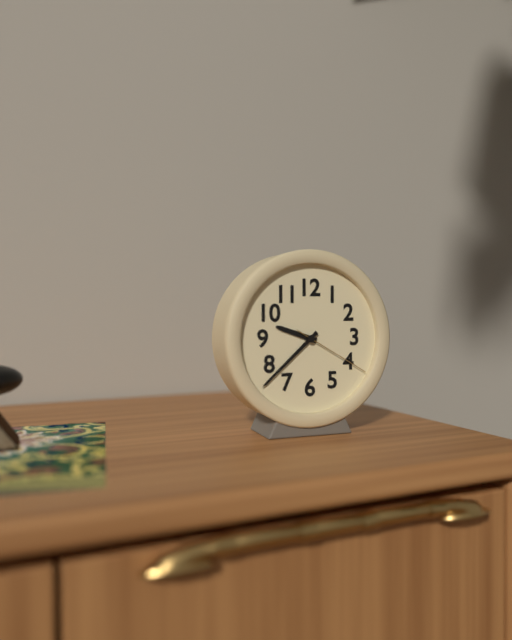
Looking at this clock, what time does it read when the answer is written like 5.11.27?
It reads 9.38.20
